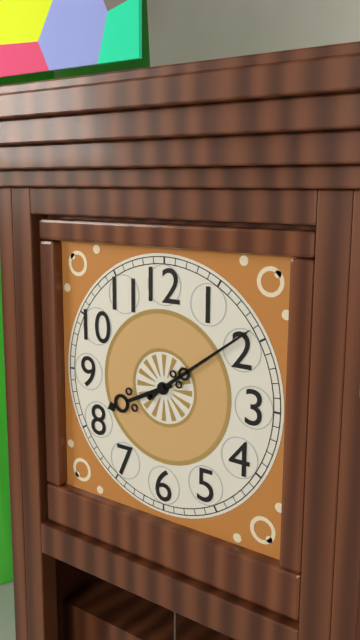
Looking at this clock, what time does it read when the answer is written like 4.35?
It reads 8.09
